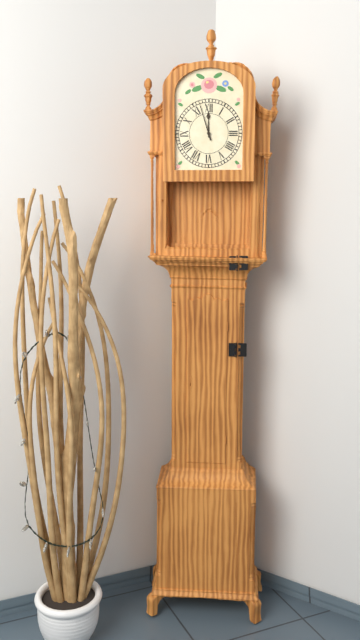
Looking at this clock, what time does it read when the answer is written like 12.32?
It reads 11.57
